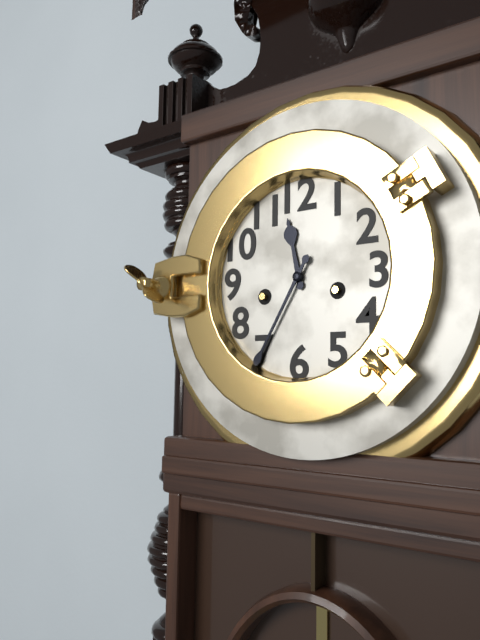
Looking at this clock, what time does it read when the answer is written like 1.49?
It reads 11.35
